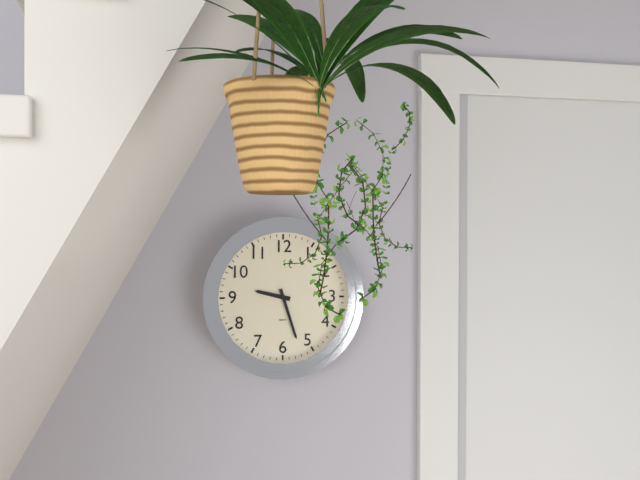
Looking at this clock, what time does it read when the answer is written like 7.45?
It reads 9.27
